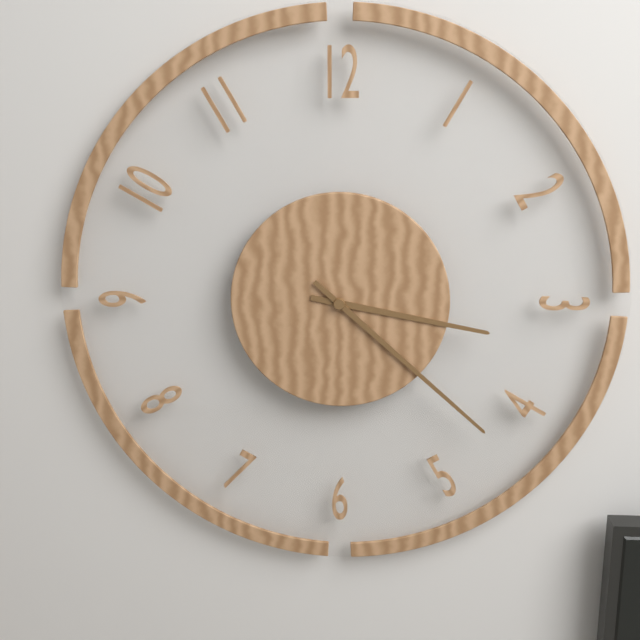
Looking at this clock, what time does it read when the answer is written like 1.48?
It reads 3.22
